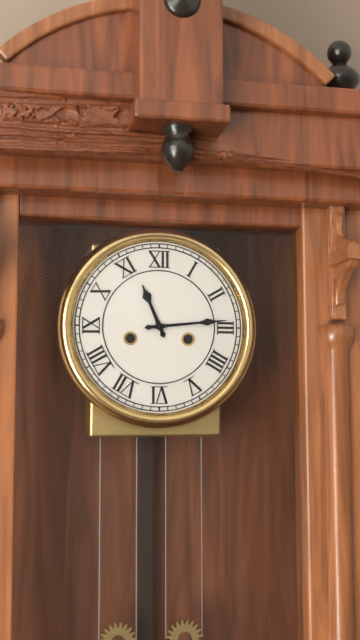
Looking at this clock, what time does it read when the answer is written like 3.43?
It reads 11.14
